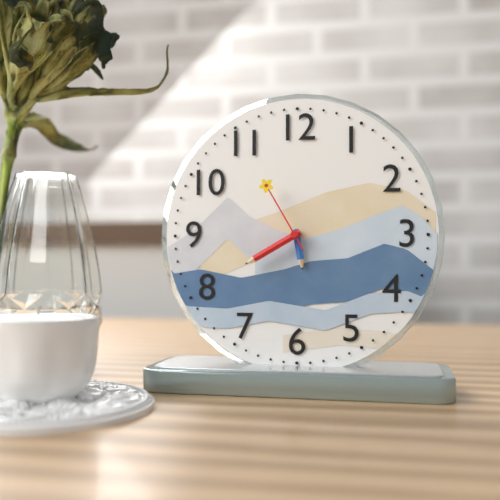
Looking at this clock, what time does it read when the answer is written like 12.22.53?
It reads 5.40.55
